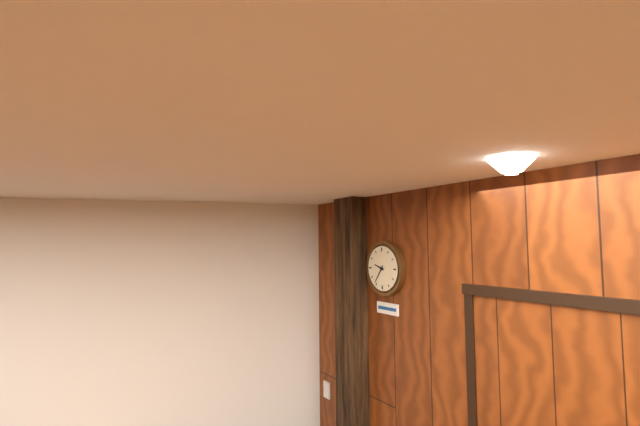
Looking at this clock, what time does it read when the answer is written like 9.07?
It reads 9.36
